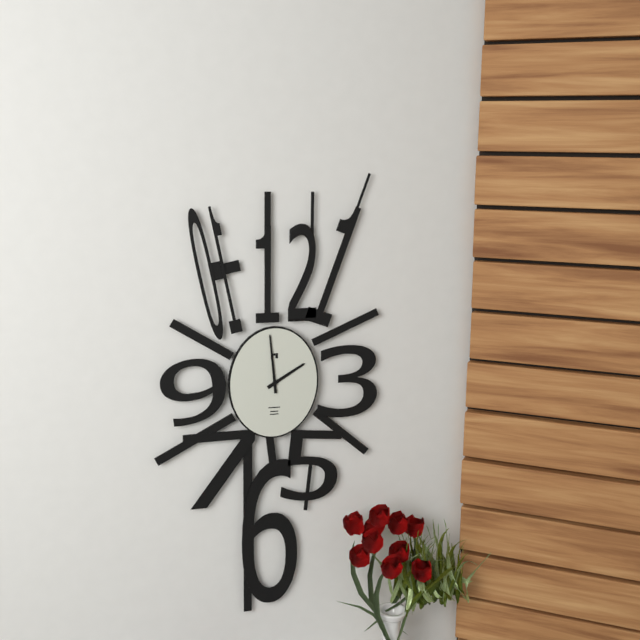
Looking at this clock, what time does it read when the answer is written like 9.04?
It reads 1.59
